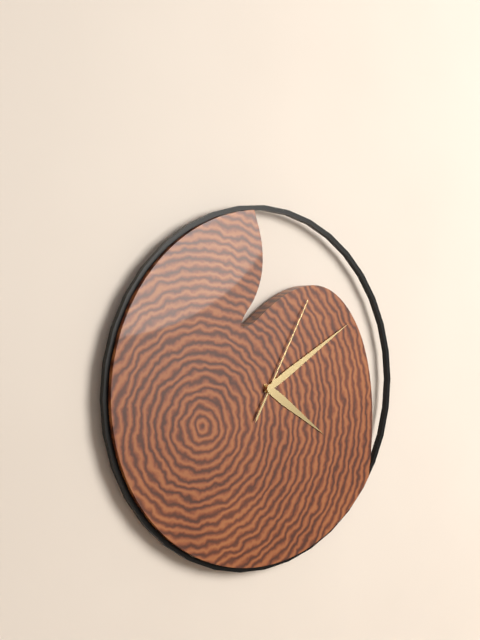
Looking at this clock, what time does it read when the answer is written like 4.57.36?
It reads 4.10.05
